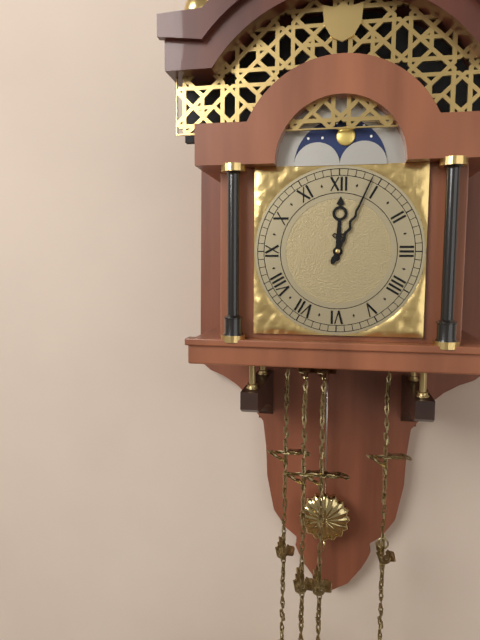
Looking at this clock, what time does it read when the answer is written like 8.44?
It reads 12.04
